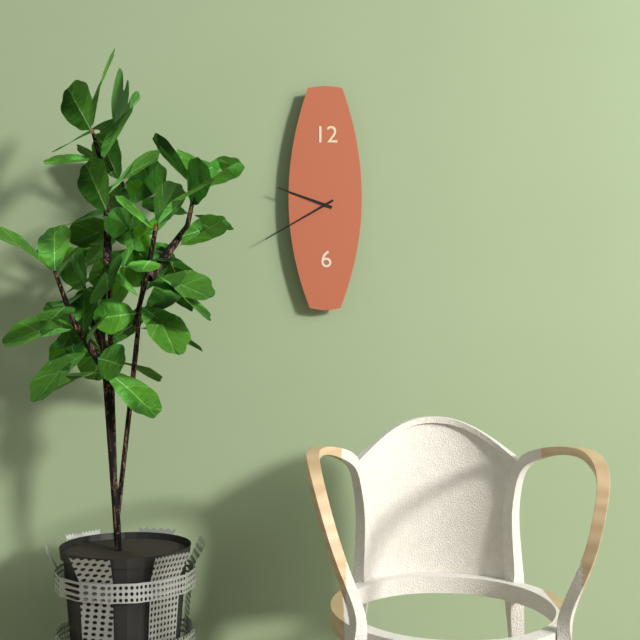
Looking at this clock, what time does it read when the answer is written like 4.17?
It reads 9.40
